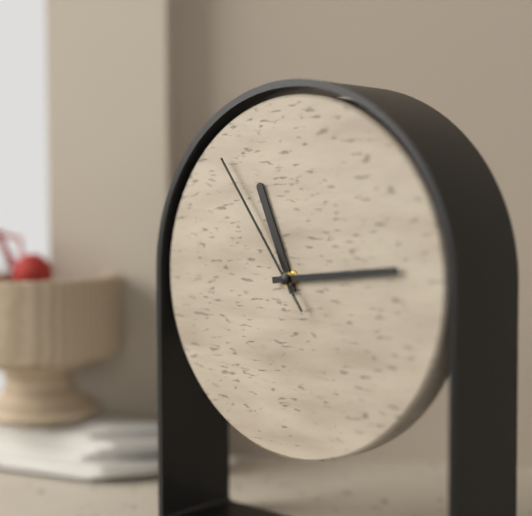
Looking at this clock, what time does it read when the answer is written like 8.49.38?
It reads 11.14.54
